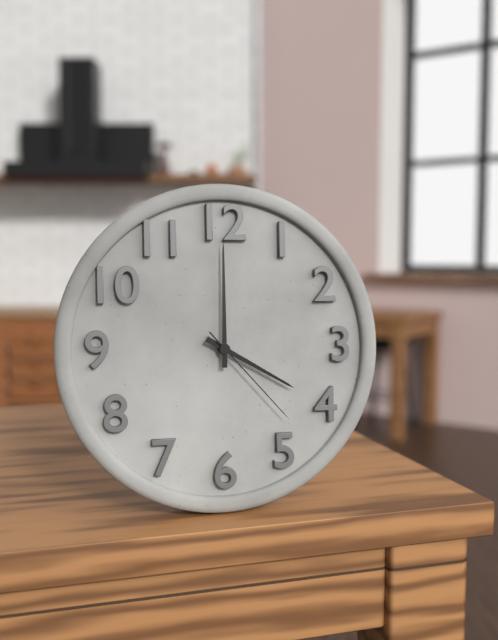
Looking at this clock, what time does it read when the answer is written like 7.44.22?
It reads 4.00.23
